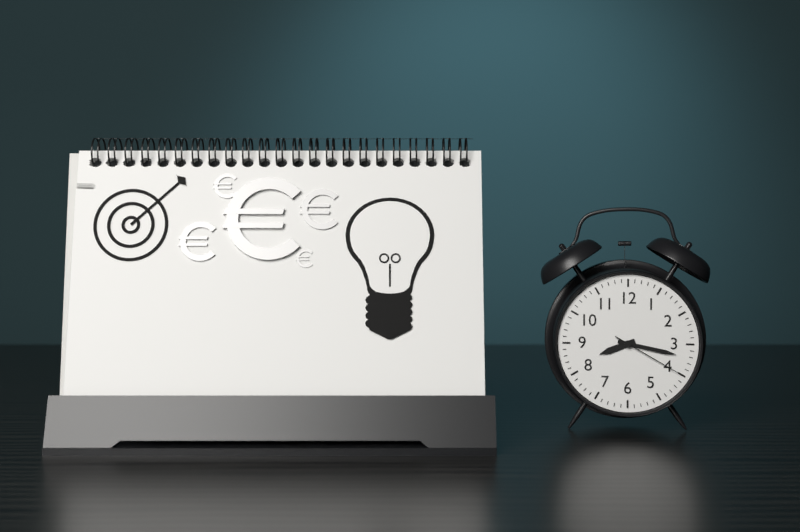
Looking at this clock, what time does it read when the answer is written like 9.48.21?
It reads 8.17.20
